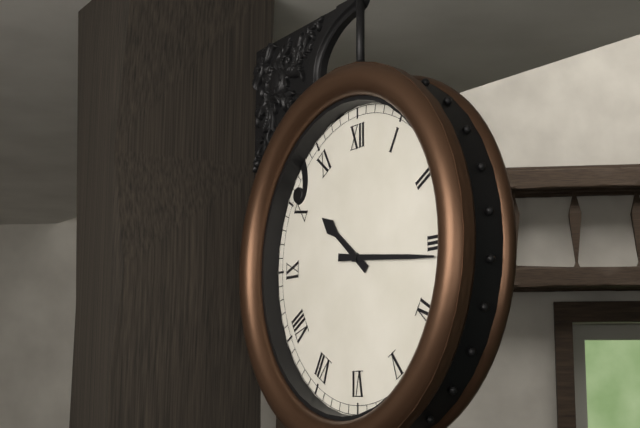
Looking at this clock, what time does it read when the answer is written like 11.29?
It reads 10.16
